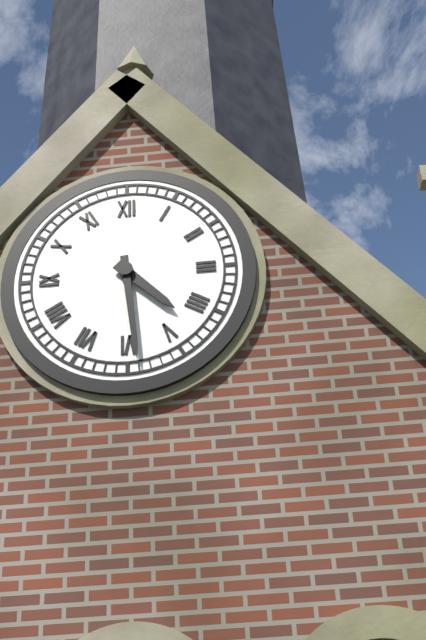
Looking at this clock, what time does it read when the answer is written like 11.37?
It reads 4.29
